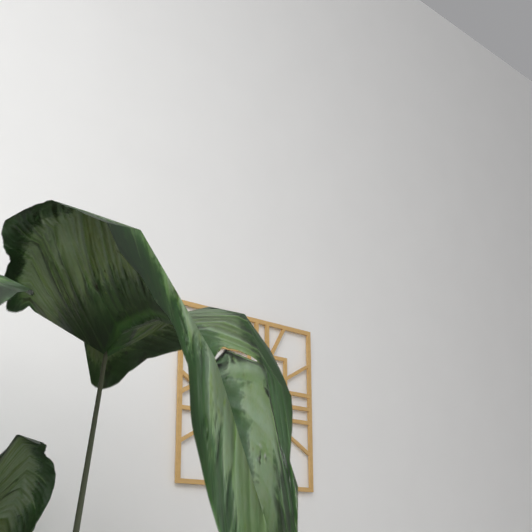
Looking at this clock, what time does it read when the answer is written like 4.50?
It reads 11.30
